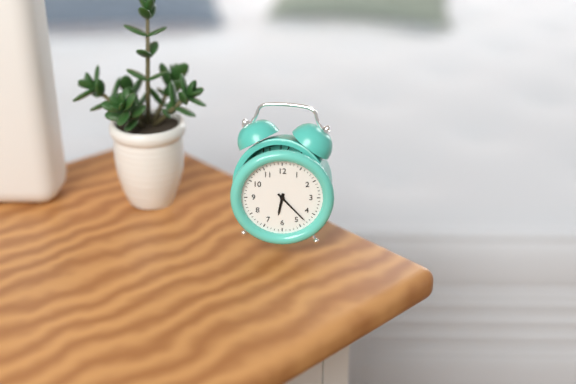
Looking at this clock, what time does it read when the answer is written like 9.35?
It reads 6.23
